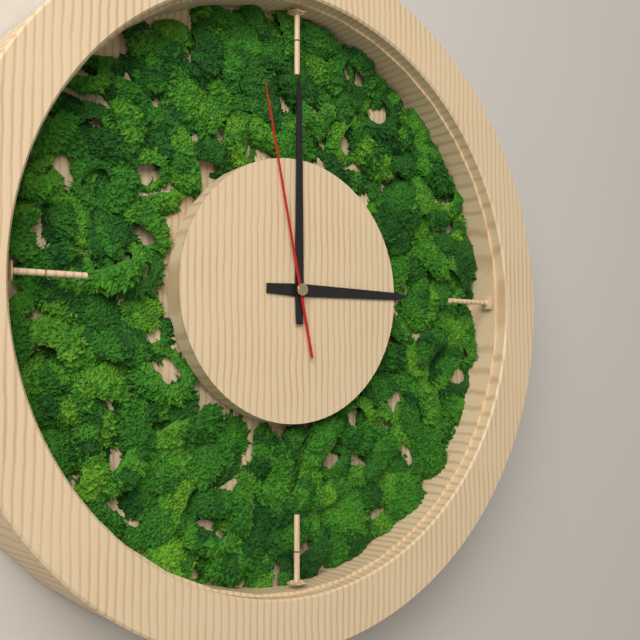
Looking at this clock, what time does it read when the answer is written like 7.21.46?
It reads 3.00.58
